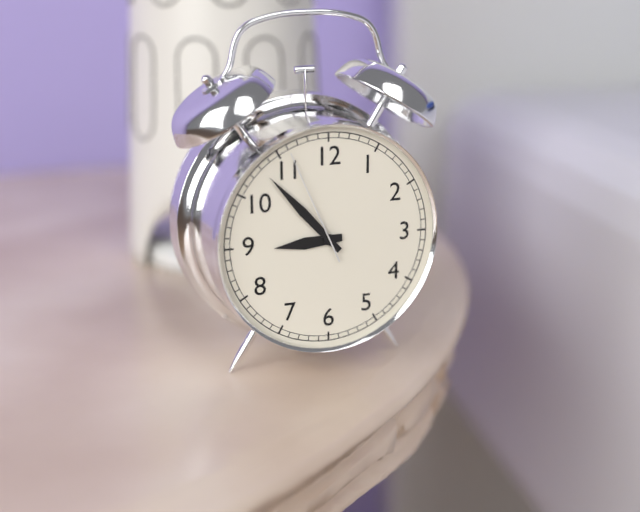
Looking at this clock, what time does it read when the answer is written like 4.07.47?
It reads 8.53.56
